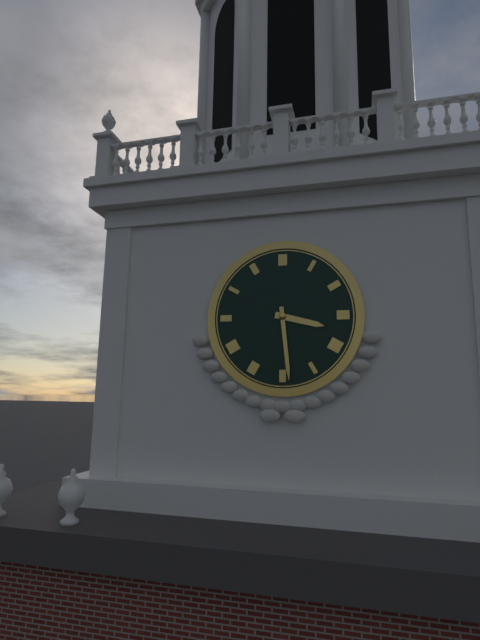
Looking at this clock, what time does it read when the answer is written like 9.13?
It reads 3.29
